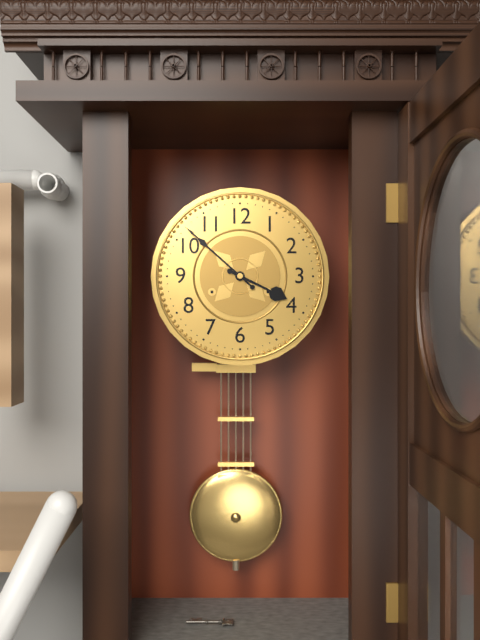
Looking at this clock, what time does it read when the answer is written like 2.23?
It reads 3.52
